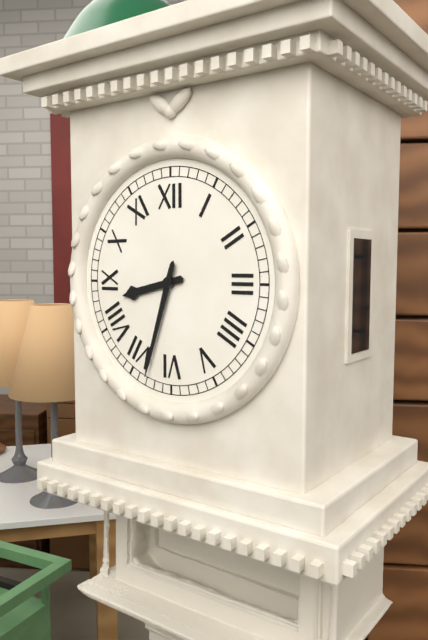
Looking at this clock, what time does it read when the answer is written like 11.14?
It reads 8.33
